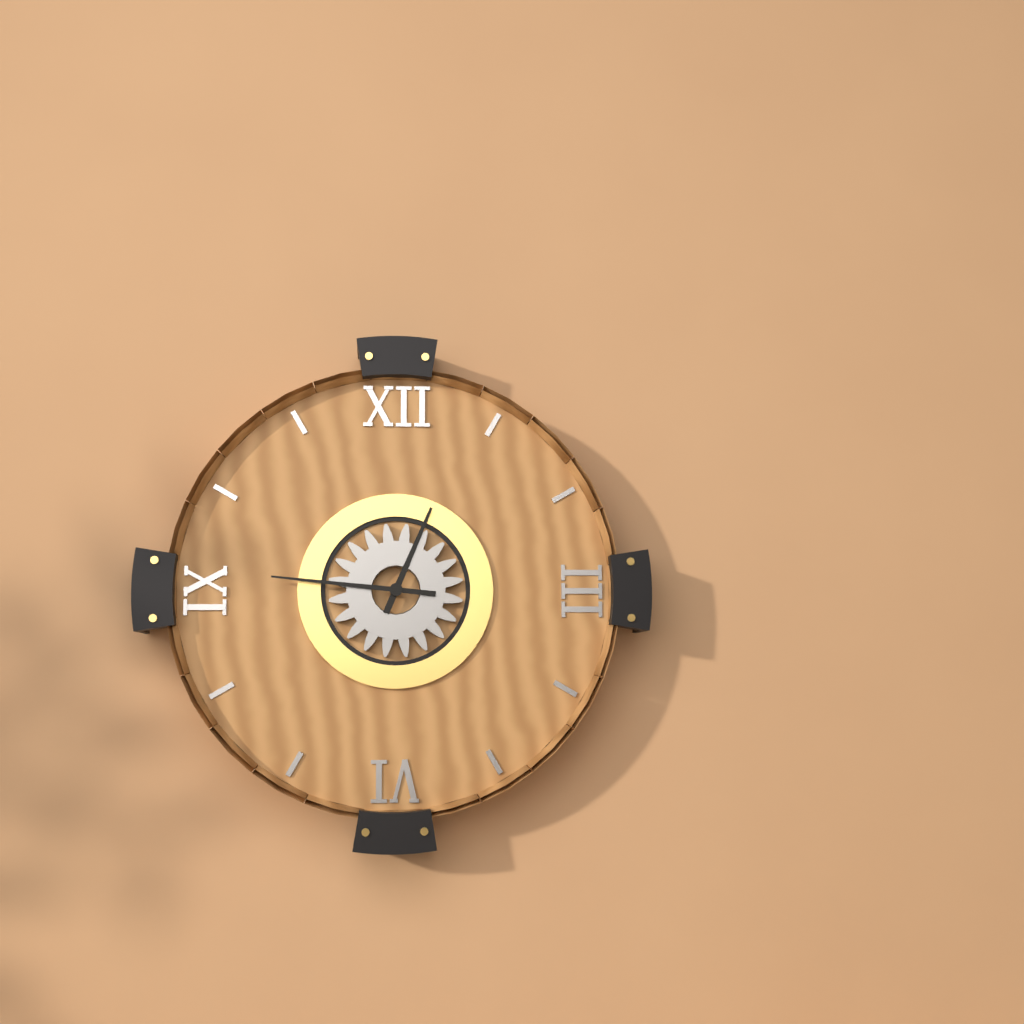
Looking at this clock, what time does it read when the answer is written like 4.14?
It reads 12.46
